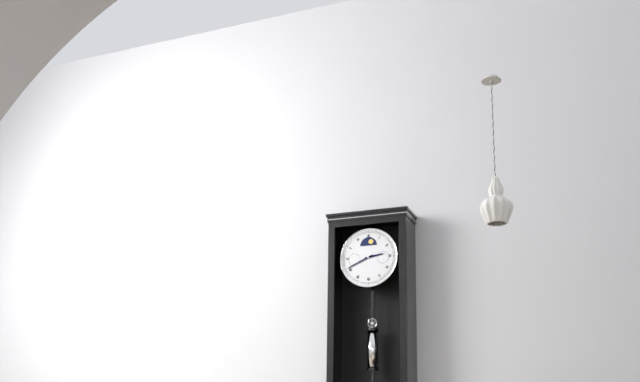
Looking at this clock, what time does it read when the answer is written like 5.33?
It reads 2.41
